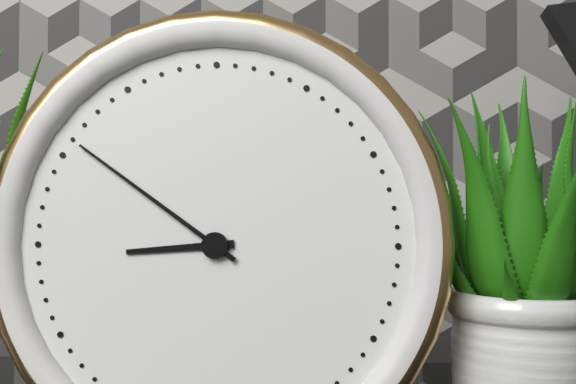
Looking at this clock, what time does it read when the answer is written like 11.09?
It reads 8.51
